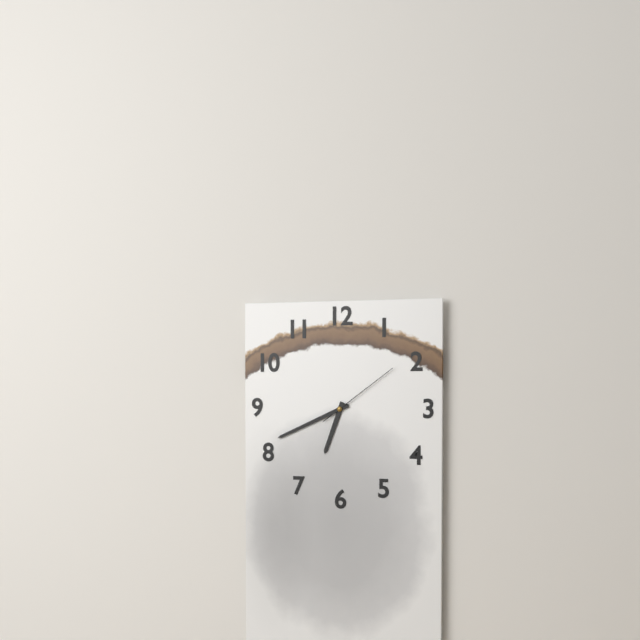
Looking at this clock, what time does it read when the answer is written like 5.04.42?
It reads 6.41.09
